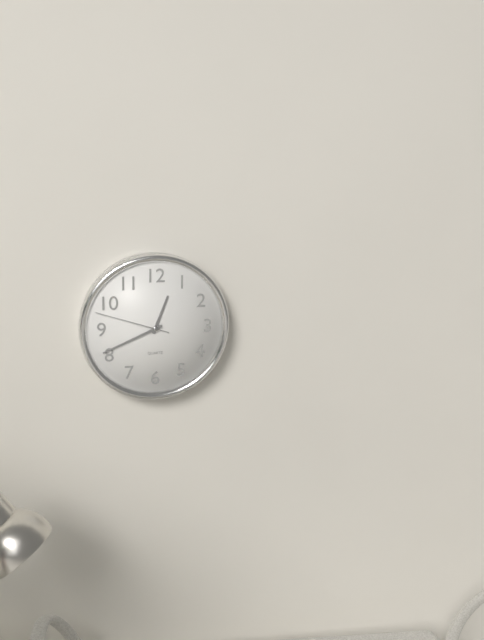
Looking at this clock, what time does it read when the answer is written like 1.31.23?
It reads 12.41.48
